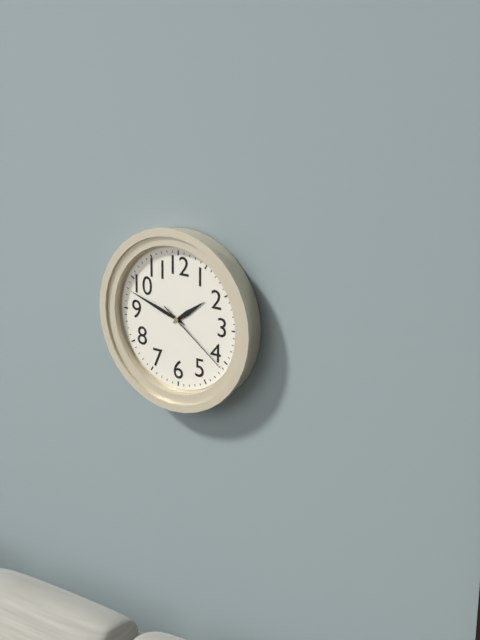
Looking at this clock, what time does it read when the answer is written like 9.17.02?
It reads 1.48.21
